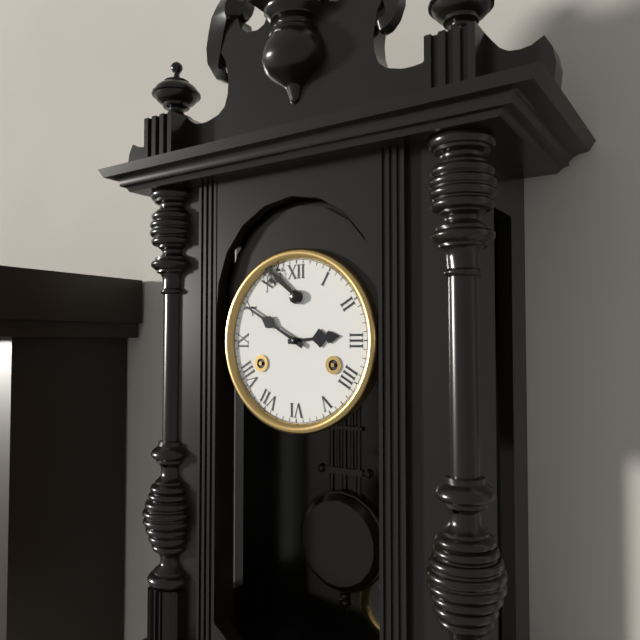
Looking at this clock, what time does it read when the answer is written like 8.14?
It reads 2.50
